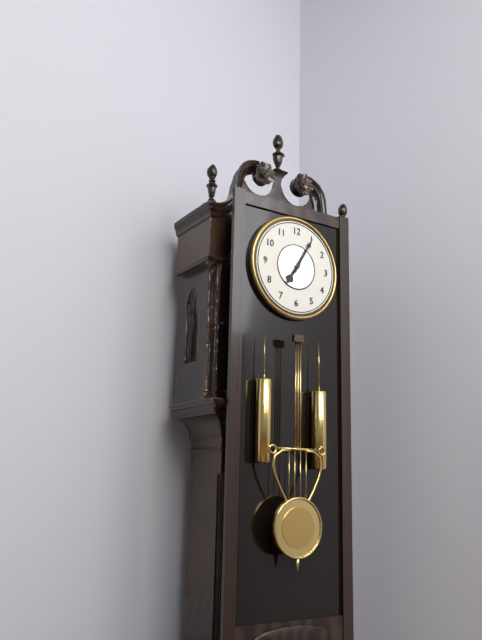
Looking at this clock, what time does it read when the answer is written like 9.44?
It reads 7.05
